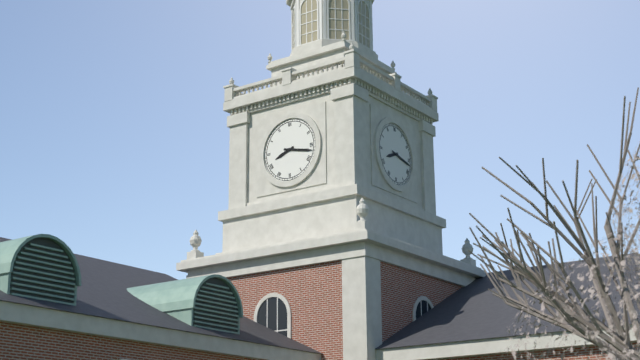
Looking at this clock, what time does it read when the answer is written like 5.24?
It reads 8.17
